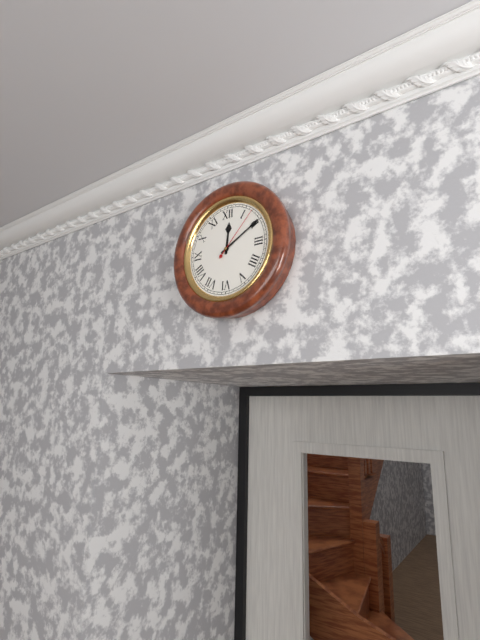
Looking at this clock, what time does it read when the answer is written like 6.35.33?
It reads 12.10.07
